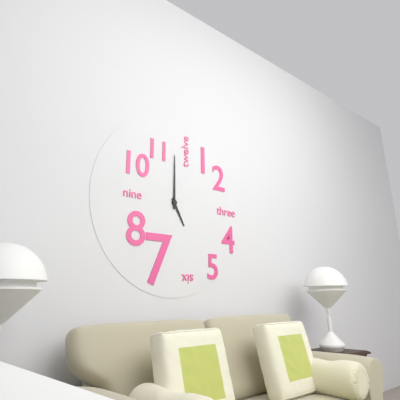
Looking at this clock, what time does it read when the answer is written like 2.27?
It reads 5.00
